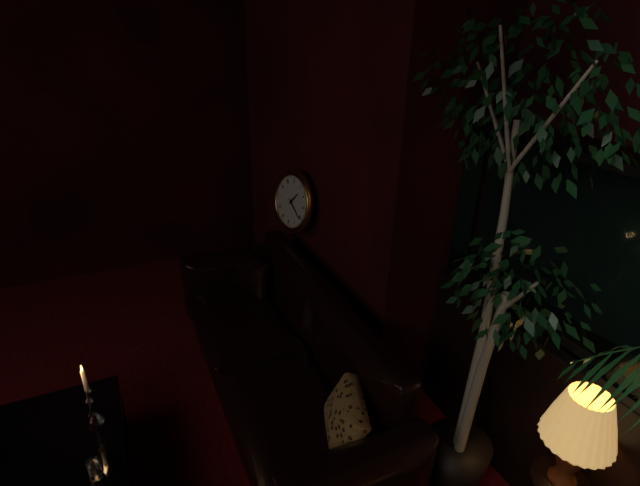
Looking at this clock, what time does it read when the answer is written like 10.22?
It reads 1.21
